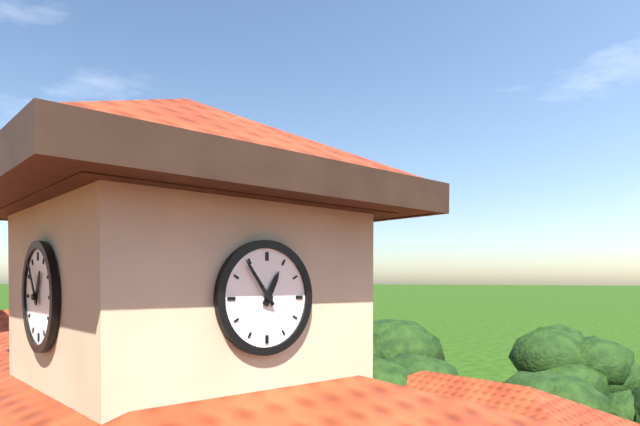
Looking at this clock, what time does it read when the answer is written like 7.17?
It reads 12.54
